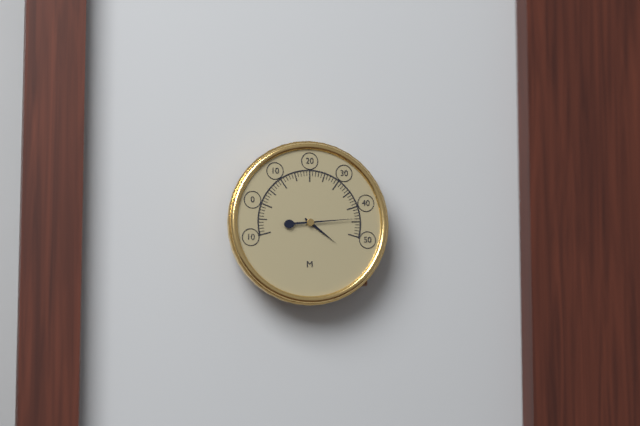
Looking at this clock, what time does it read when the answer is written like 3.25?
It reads 4.14
